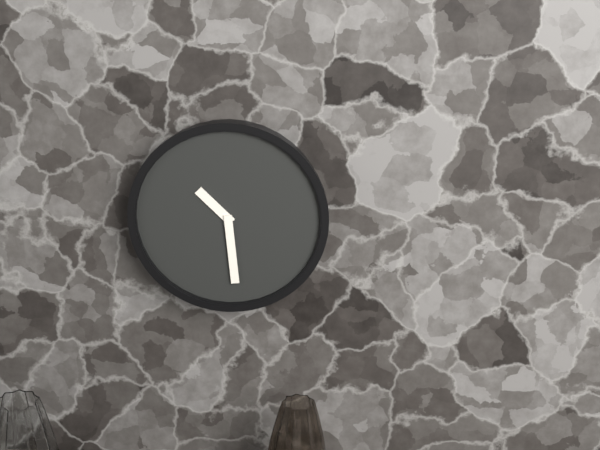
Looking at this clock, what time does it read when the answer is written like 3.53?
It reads 10.29
